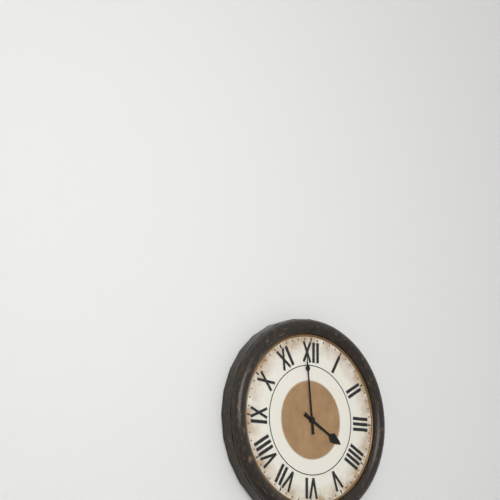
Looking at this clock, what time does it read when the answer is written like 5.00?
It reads 3.59
